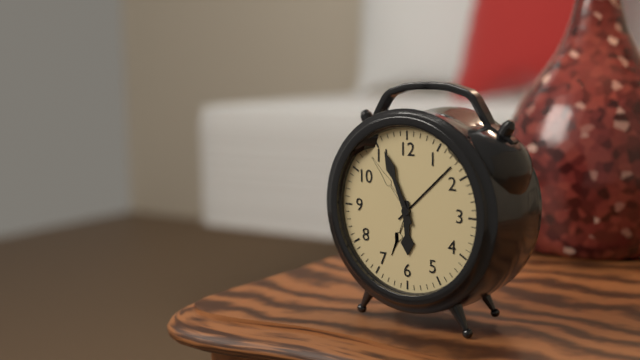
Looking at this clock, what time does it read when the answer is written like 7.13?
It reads 5.56
